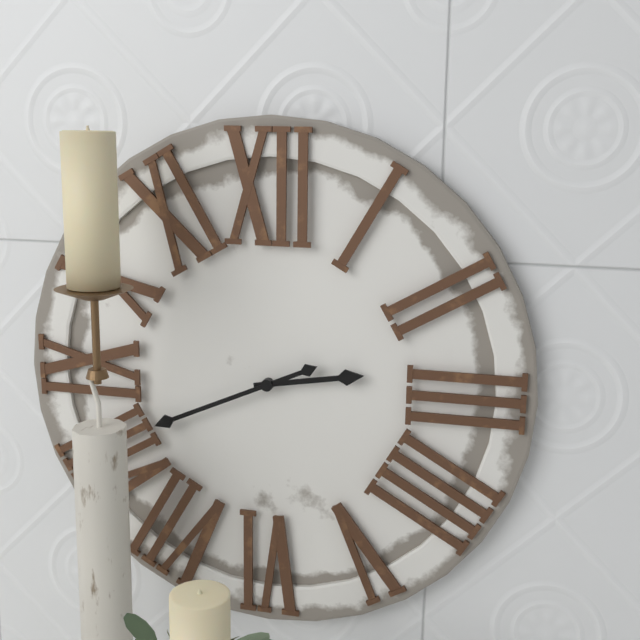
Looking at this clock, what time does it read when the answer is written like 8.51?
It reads 2.41
